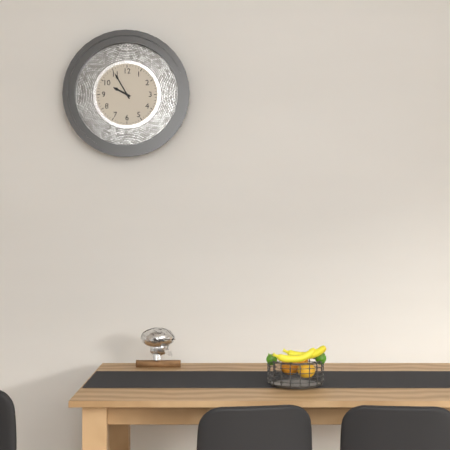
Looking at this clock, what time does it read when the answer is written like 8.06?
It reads 9.55
